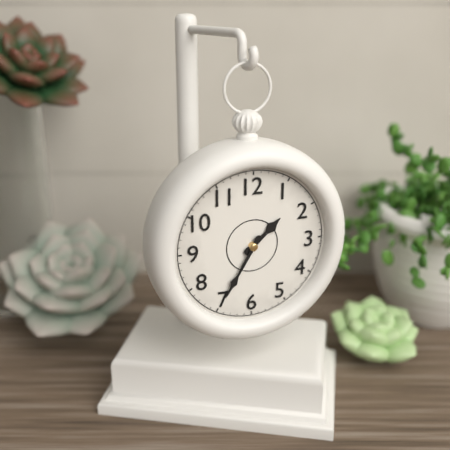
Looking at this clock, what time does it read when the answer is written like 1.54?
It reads 1.35
